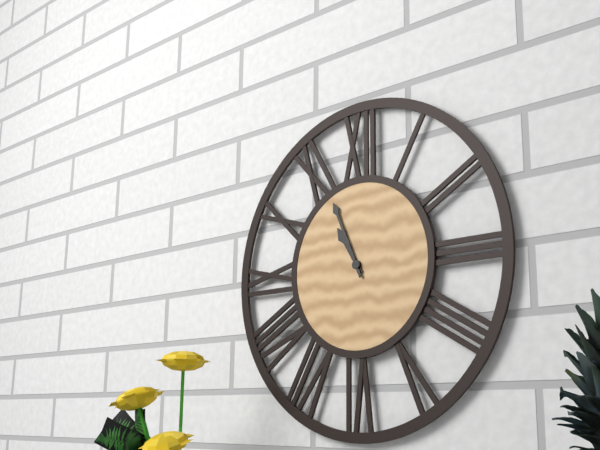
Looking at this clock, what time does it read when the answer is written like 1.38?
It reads 10.56
